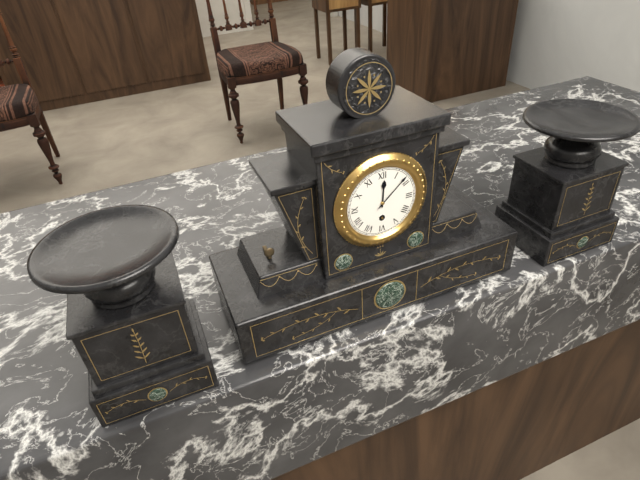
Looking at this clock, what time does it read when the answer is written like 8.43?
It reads 12.08
